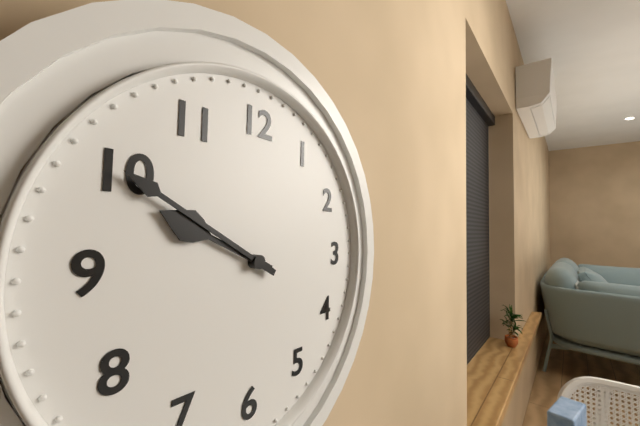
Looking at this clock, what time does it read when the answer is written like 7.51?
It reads 9.50
